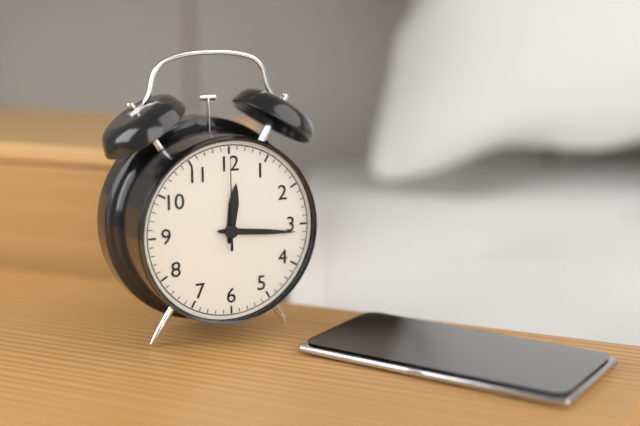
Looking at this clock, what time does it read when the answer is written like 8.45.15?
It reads 12.16.00
